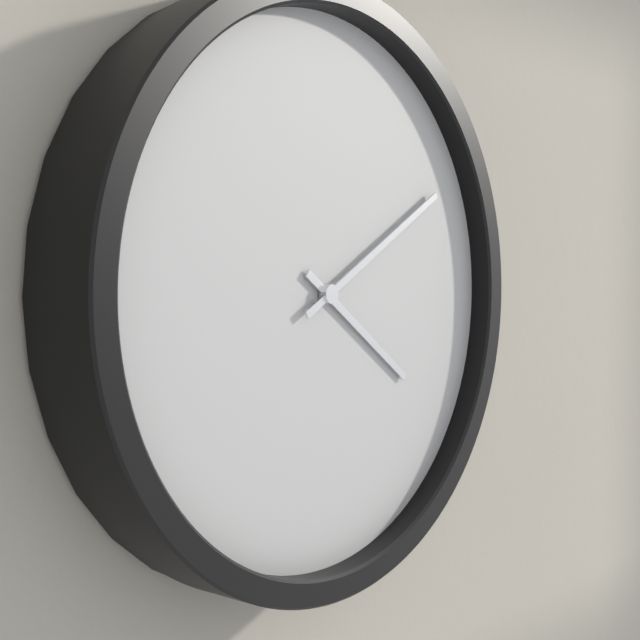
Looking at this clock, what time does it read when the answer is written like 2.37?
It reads 4.10
